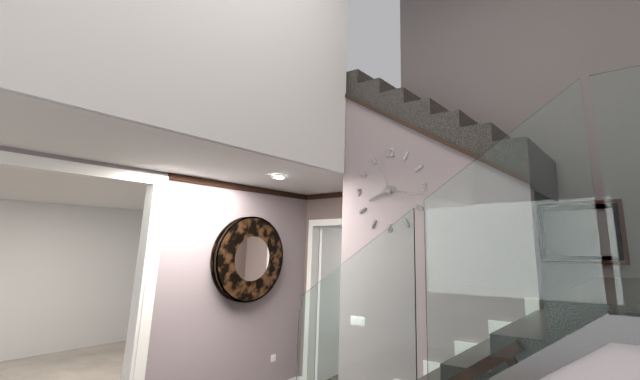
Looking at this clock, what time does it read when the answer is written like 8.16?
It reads 8.17
